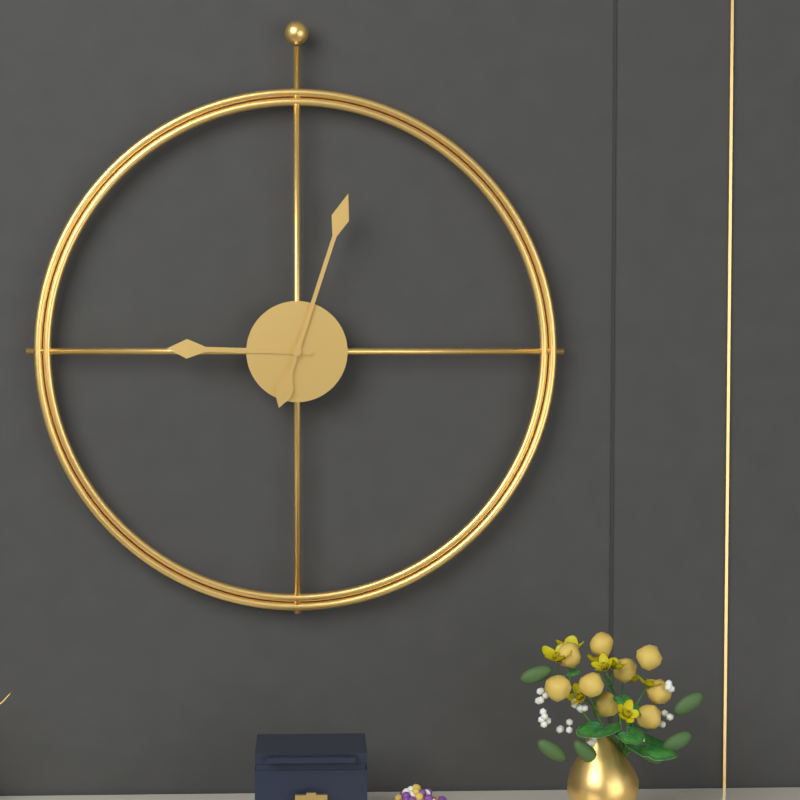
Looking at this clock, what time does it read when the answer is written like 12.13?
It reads 9.03
